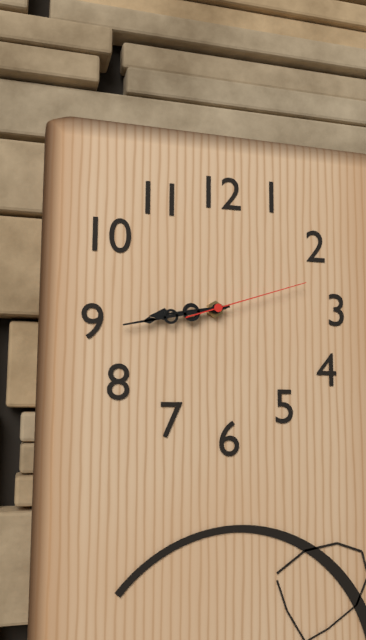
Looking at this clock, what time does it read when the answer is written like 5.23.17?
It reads 8.43.12
